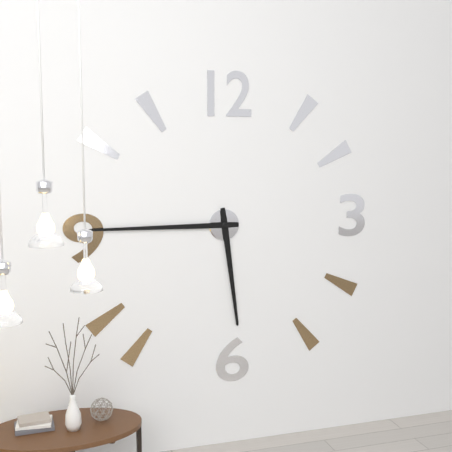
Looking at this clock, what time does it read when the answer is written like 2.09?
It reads 5.45
